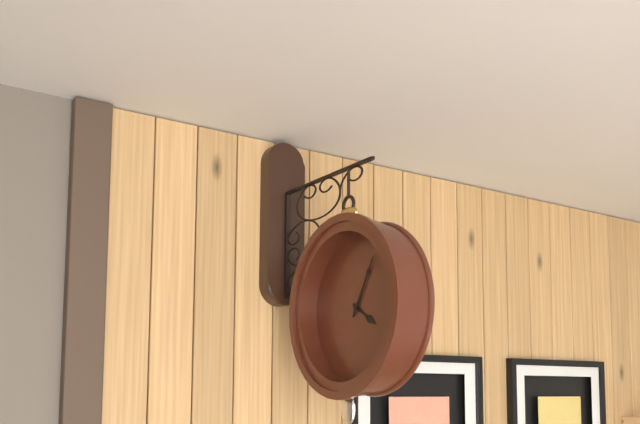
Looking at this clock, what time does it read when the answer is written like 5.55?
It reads 4.05
